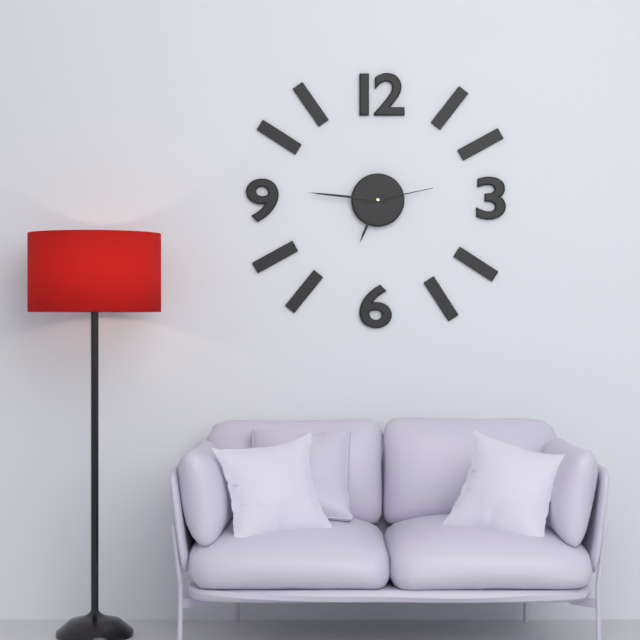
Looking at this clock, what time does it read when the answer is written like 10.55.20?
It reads 6.46.13
